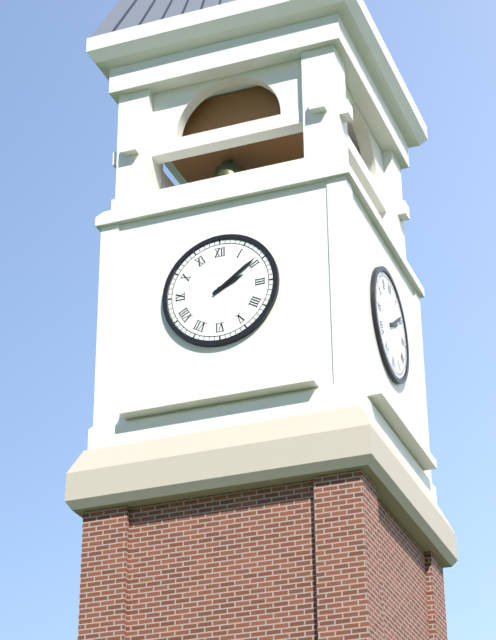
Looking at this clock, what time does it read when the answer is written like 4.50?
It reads 2.09
